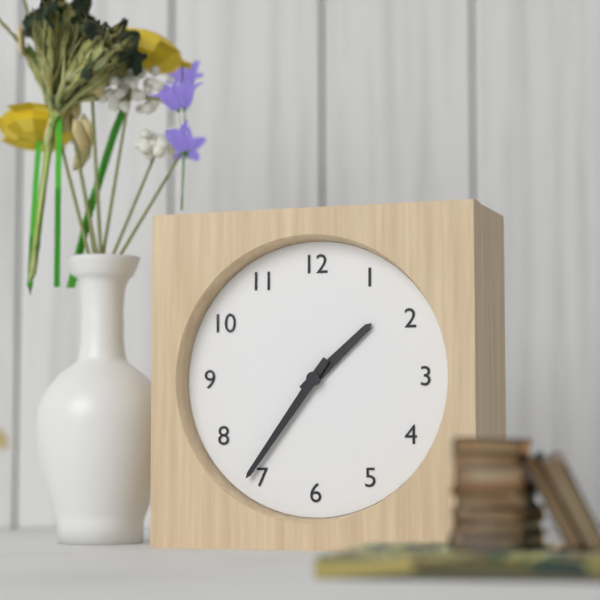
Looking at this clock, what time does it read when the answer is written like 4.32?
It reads 1.36
